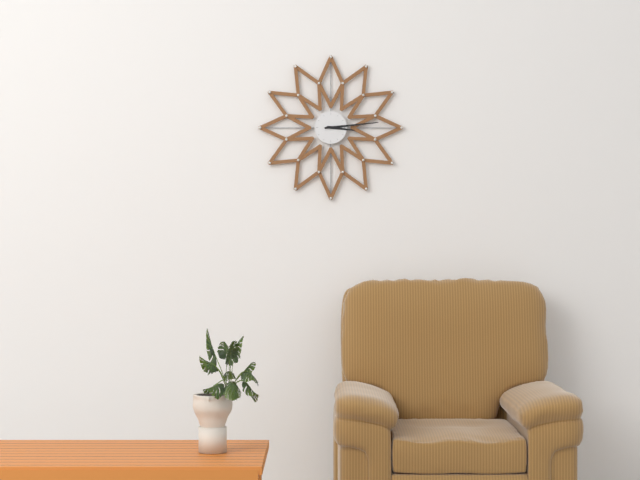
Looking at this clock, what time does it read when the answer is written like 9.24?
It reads 3.14
